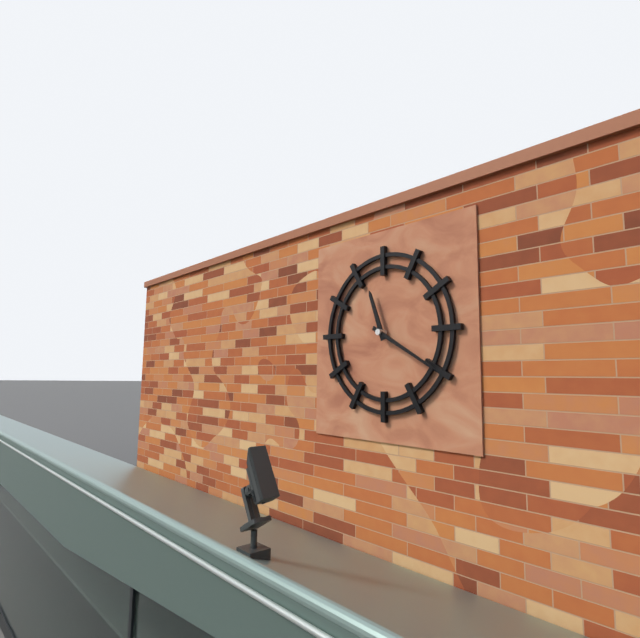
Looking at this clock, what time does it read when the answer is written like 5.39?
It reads 11.20
